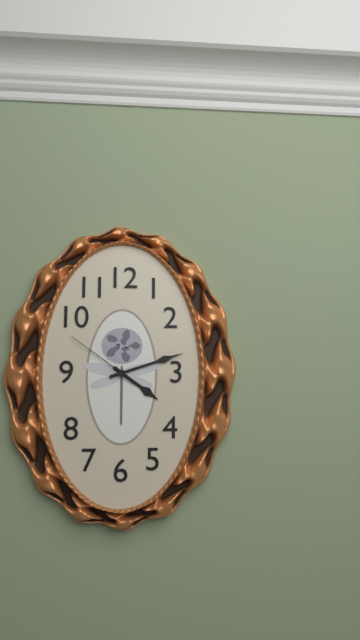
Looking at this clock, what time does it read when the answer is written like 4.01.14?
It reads 4.12.51
